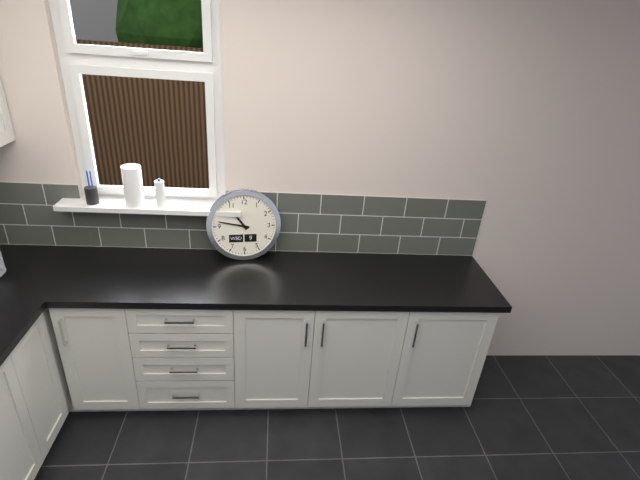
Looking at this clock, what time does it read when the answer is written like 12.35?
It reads 10.47
